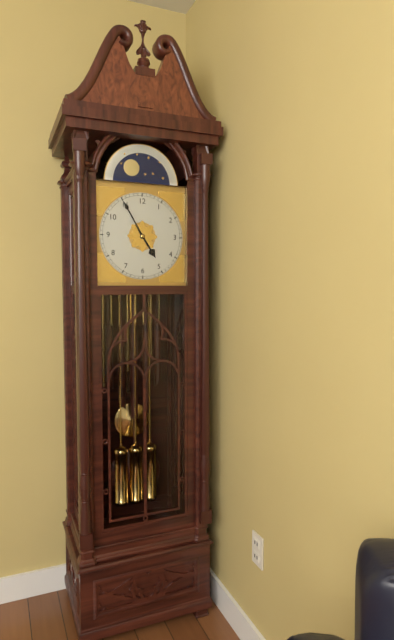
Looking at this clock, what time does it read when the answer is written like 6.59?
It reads 4.55
